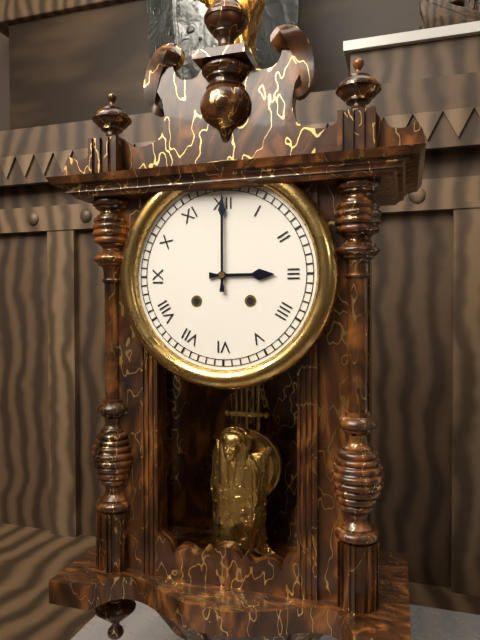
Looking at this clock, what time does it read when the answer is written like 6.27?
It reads 3.00
